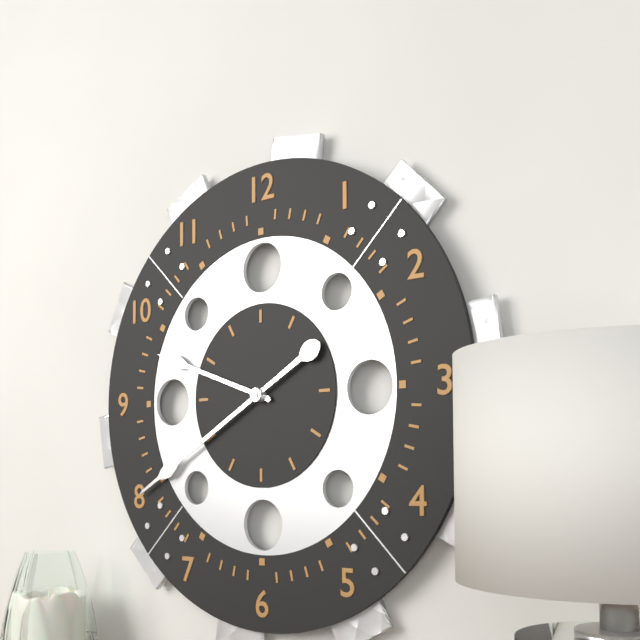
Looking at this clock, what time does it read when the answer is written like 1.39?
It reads 9.40
